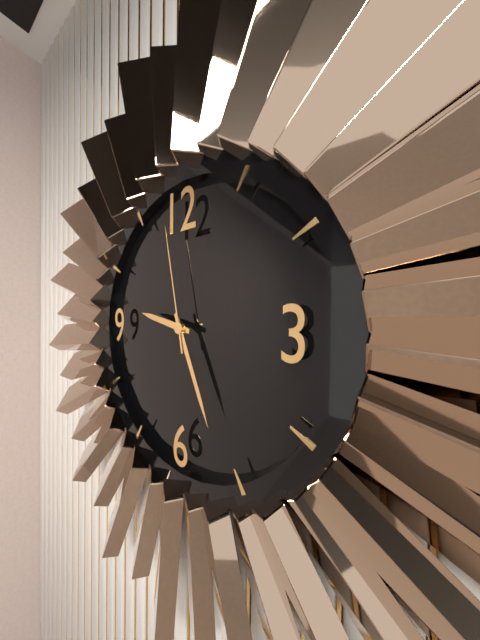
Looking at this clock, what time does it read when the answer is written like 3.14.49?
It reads 9.26.58
